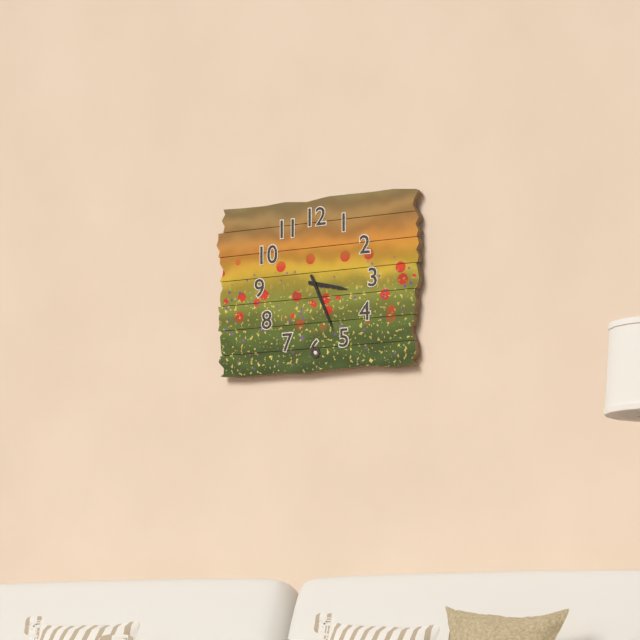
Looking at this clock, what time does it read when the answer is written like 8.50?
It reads 3.26
